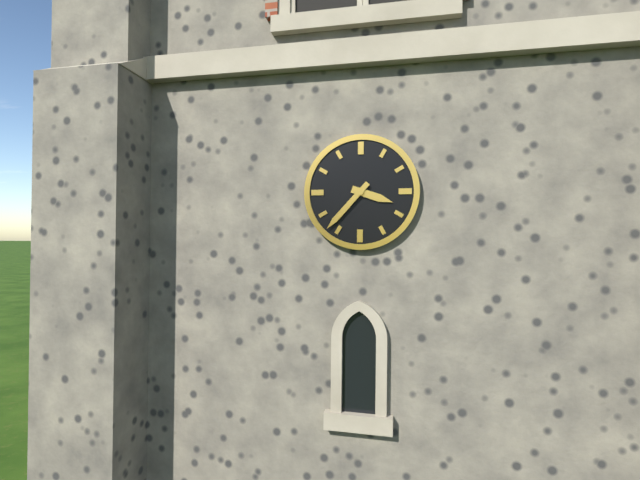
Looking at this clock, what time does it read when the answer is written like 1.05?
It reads 3.37
